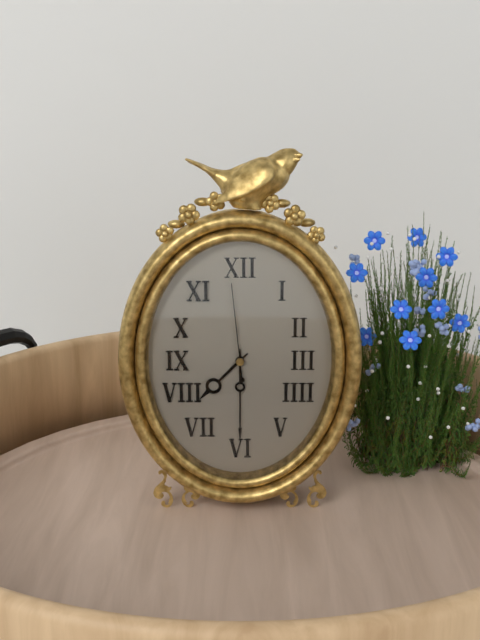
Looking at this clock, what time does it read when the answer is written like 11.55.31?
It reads 7.30.59
